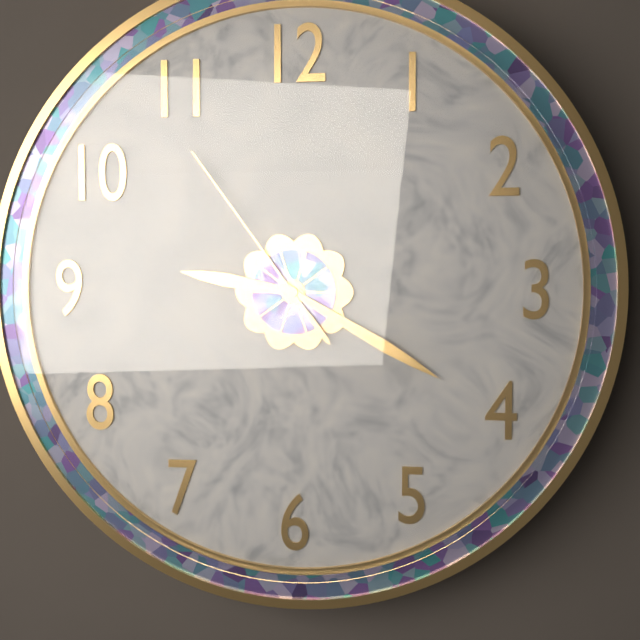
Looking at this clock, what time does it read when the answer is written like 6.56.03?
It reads 9.20.54
